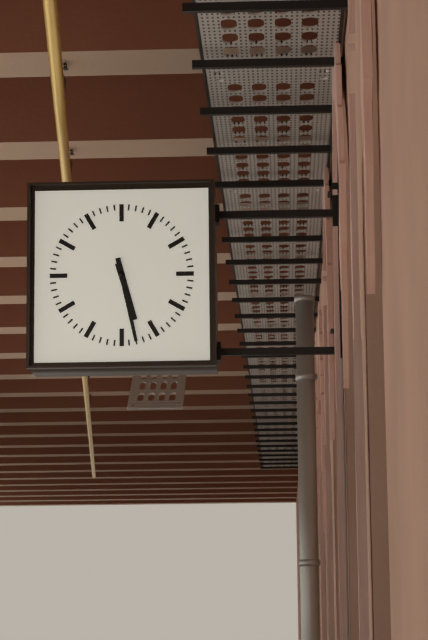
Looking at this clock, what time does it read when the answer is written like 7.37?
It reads 5.28
